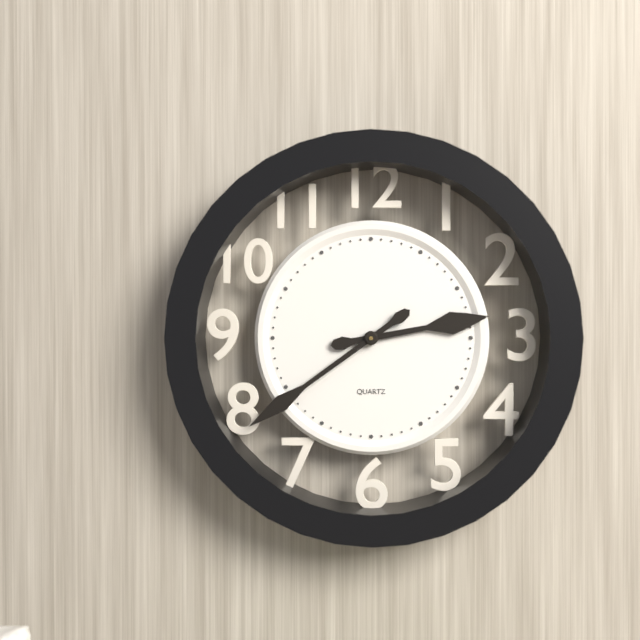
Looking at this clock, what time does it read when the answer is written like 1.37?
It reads 2.39
